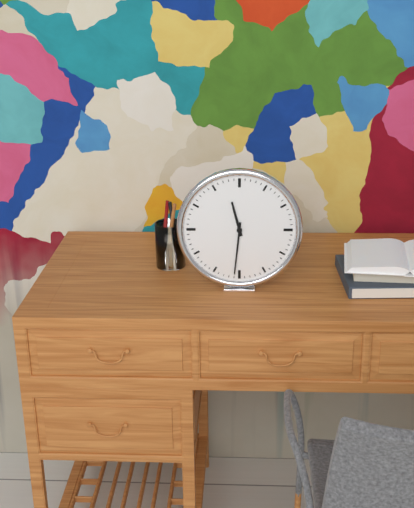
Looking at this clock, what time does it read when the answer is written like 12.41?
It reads 11.31
